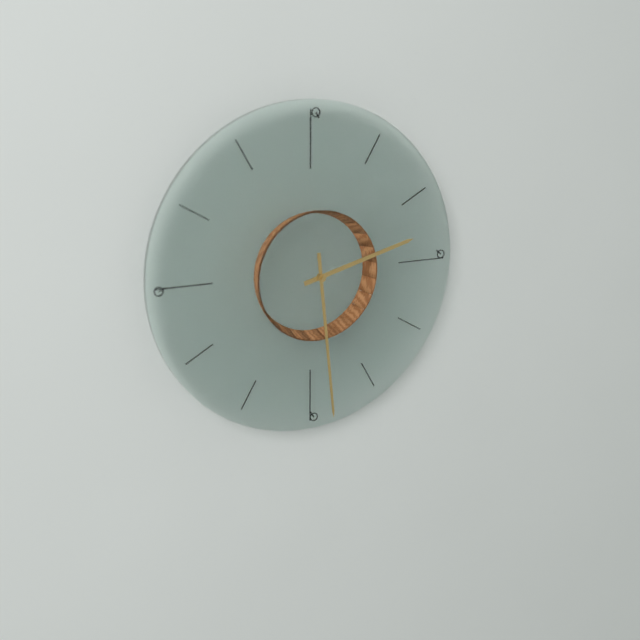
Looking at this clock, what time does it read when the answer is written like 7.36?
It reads 2.29
